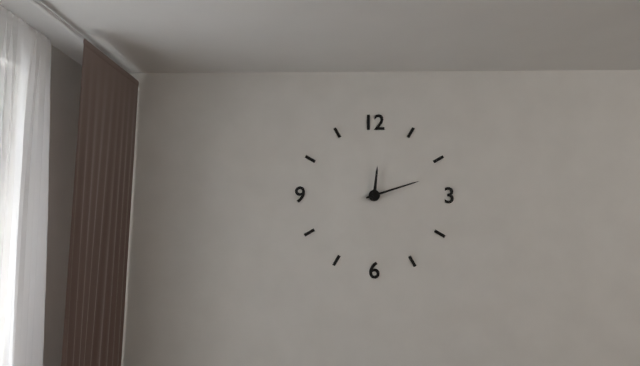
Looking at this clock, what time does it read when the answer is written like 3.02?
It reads 12.12
